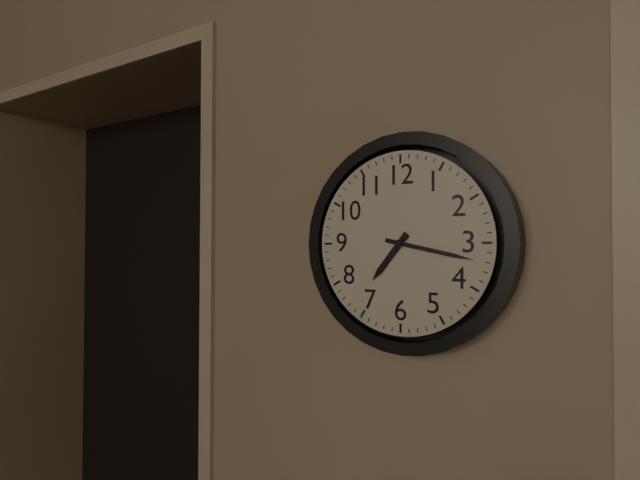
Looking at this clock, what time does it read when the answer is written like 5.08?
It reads 7.17
